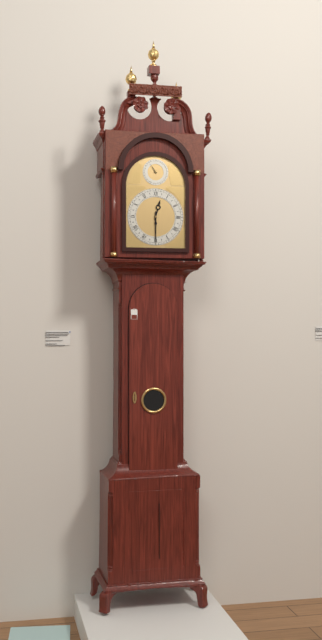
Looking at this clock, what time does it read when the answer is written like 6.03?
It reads 12.30
